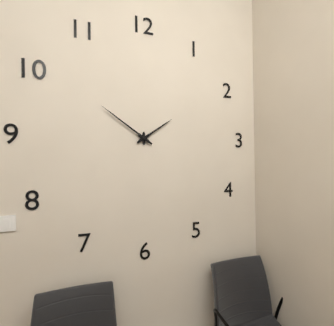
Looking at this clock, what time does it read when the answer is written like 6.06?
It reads 1.51
